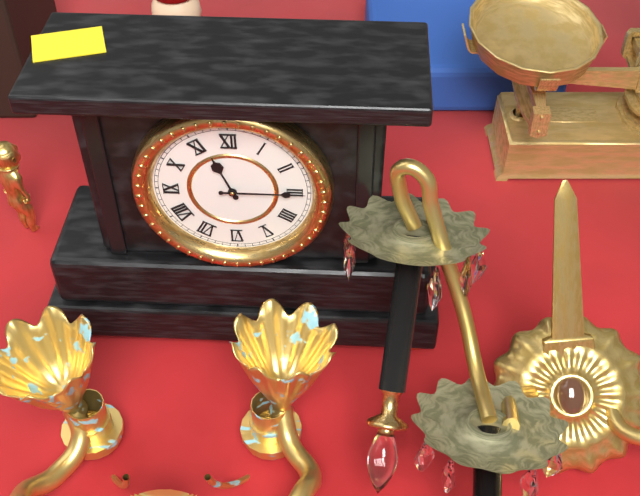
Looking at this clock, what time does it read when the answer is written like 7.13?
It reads 11.15
